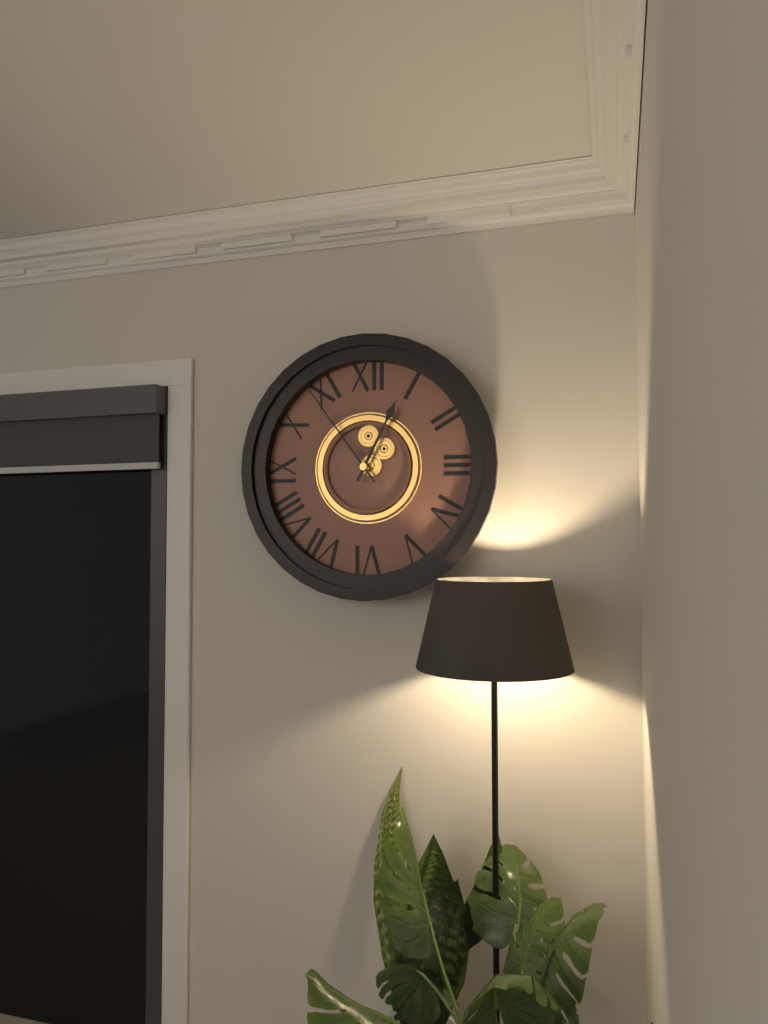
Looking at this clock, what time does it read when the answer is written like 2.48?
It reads 12.54
